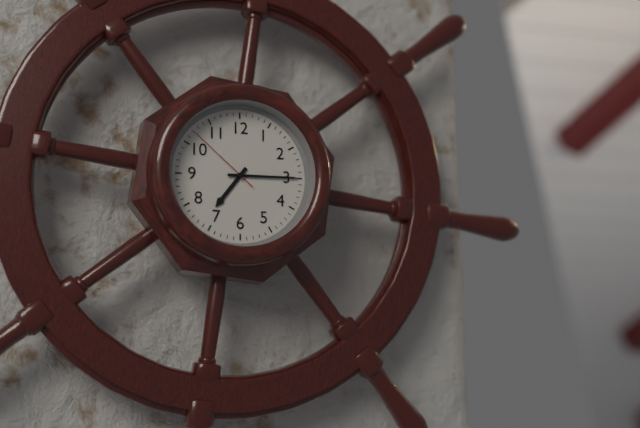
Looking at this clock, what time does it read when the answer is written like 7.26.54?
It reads 7.15.52
